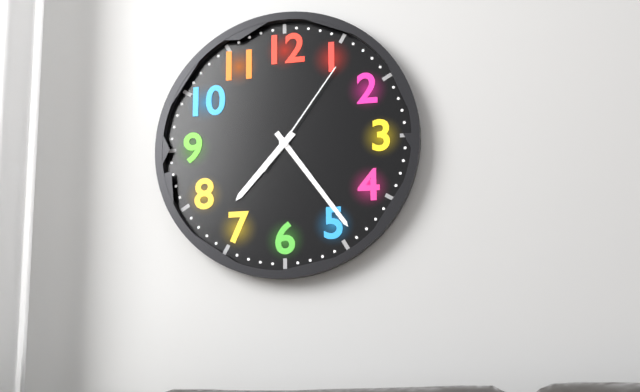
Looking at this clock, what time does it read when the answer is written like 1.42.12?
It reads 7.24.06
